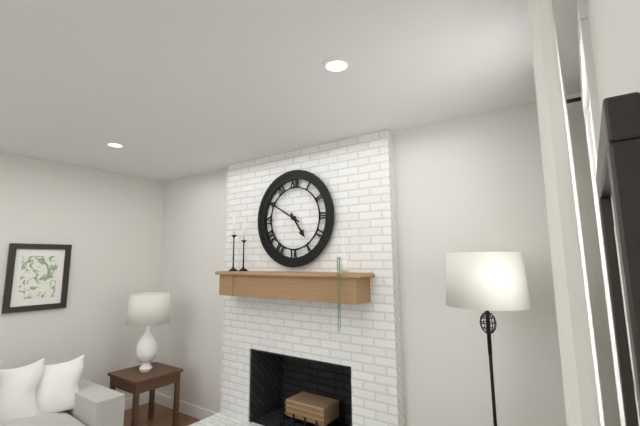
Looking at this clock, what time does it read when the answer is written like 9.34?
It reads 4.50
